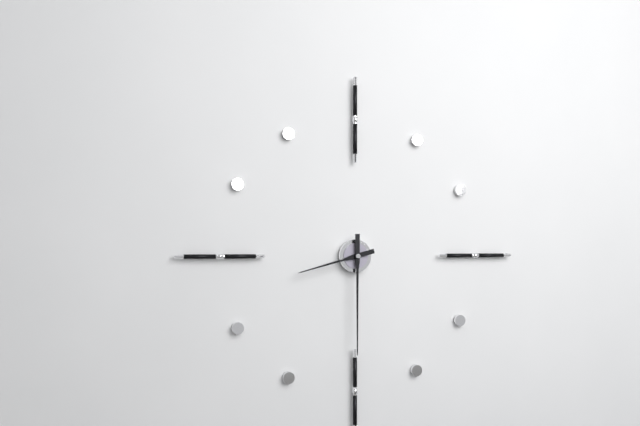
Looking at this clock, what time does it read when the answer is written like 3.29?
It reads 8.30
